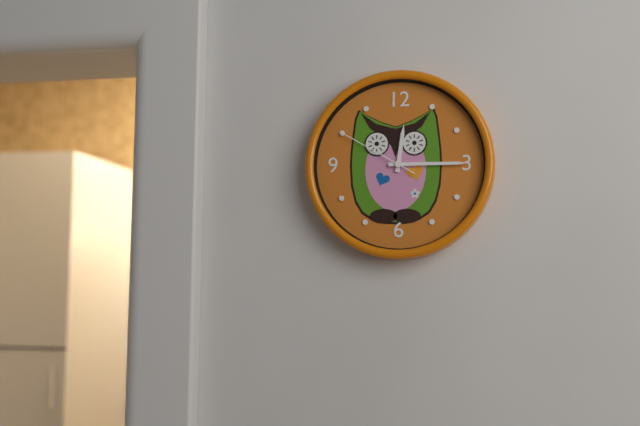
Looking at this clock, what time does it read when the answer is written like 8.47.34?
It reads 12.15.50
